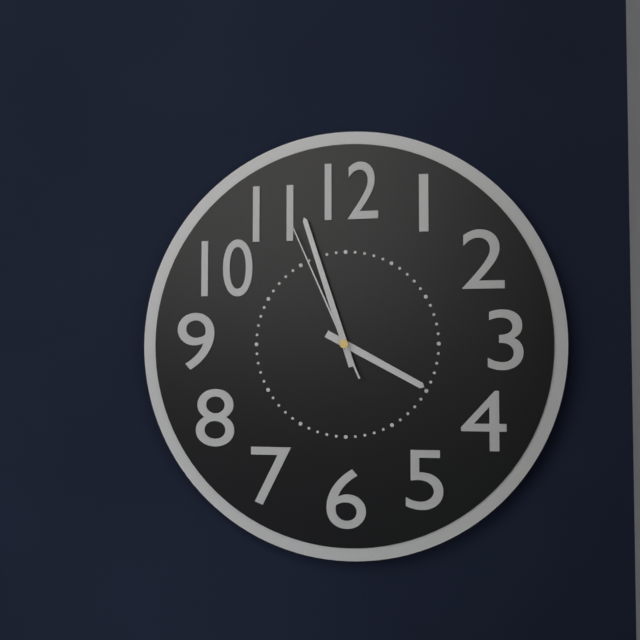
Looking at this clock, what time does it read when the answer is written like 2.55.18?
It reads 3.57.56
